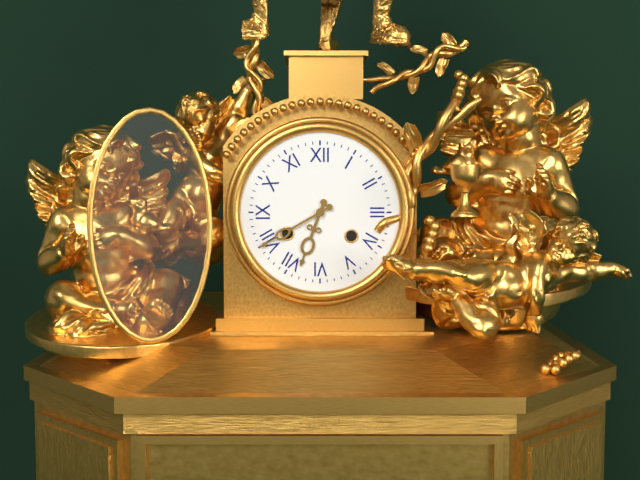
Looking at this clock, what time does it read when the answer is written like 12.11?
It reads 6.40
